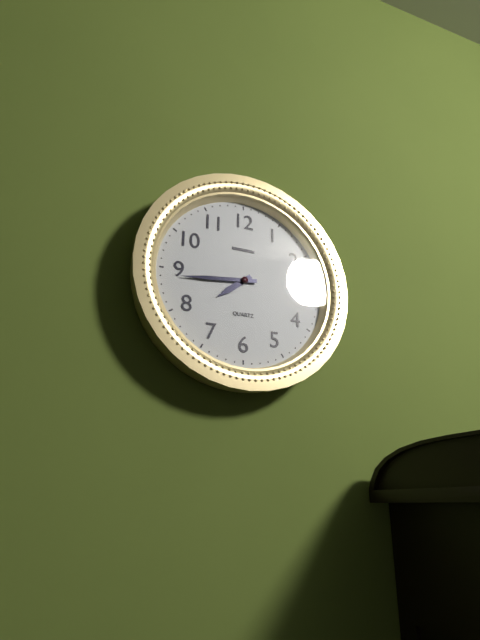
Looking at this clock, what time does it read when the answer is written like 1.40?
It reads 7.44
